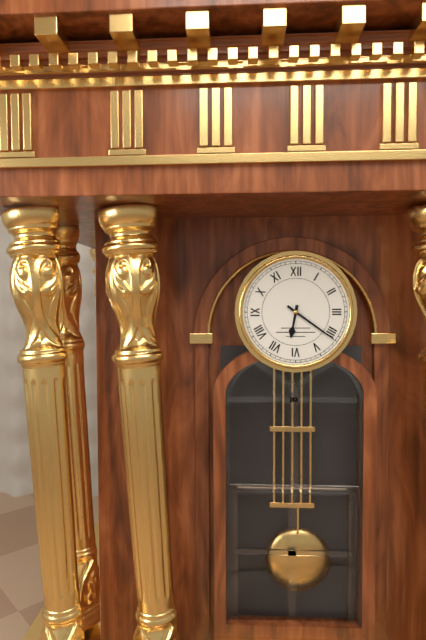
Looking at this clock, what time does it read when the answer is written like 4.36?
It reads 6.21
